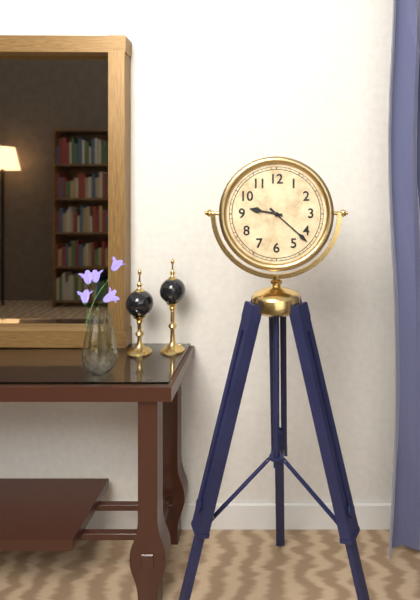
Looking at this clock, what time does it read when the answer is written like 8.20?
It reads 9.22
